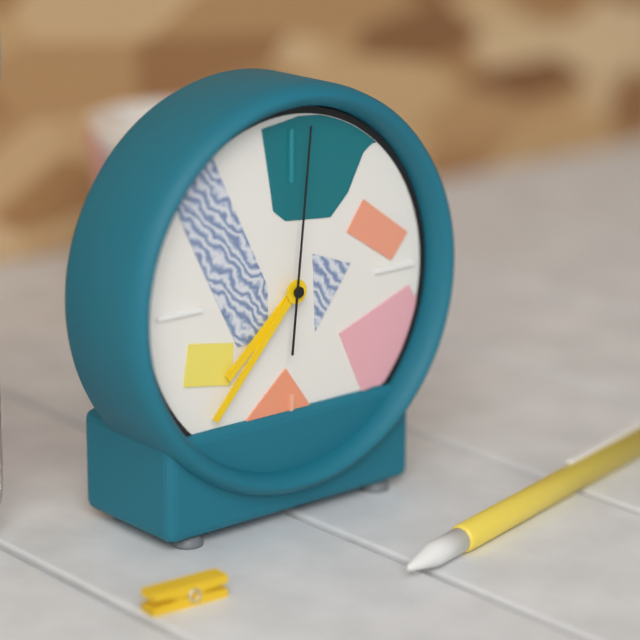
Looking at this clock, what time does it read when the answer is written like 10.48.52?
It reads 7.37.01
